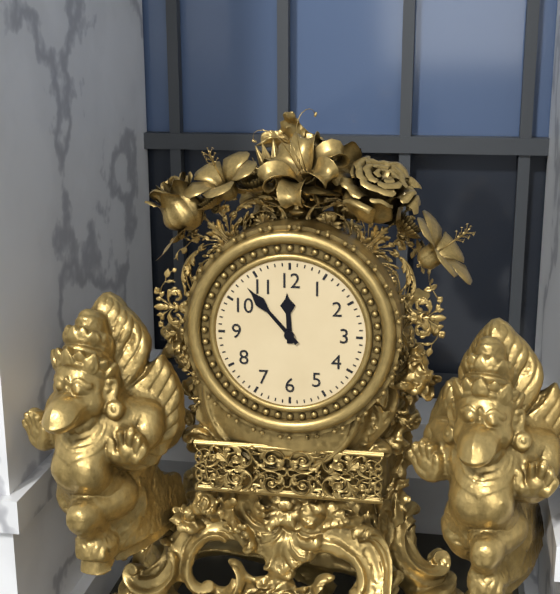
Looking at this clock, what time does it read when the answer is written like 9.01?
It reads 11.53
